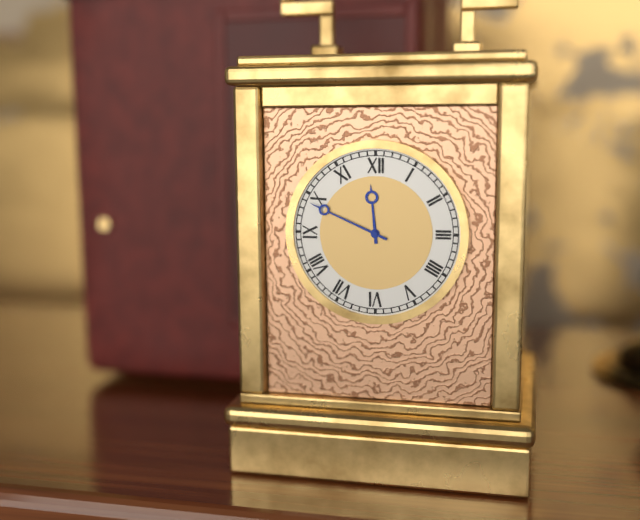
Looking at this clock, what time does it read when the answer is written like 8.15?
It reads 11.49
